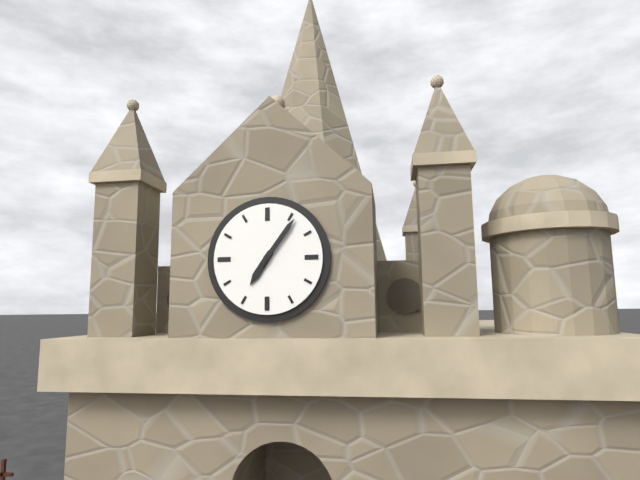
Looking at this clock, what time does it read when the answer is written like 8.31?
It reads 7.06
